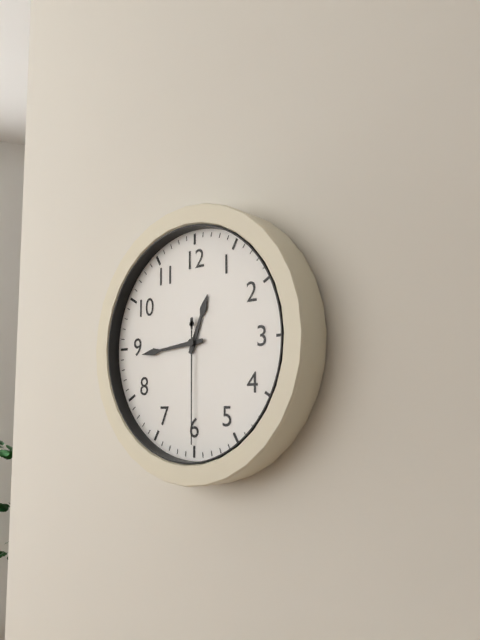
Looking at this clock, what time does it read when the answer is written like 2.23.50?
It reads 12.44.30
